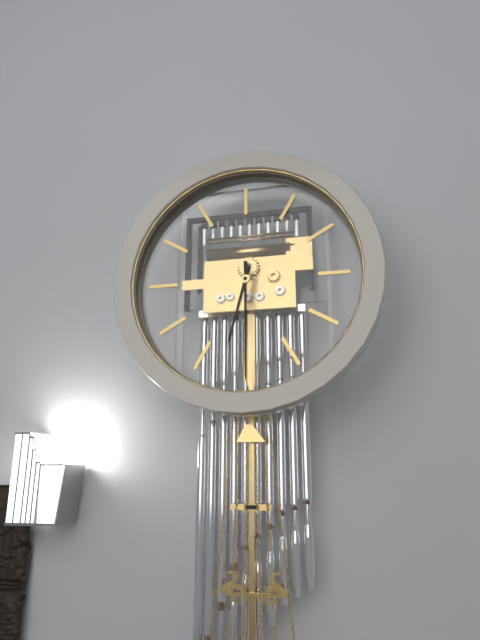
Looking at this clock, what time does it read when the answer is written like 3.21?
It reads 6.30
